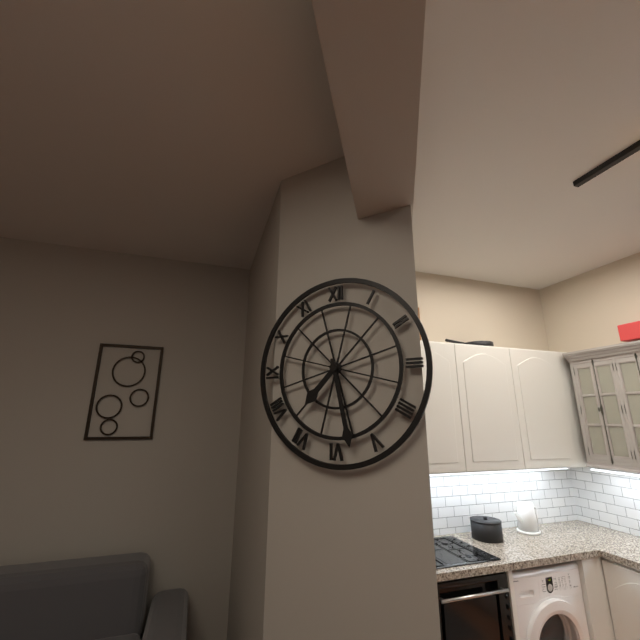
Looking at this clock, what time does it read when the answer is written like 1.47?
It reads 7.28
